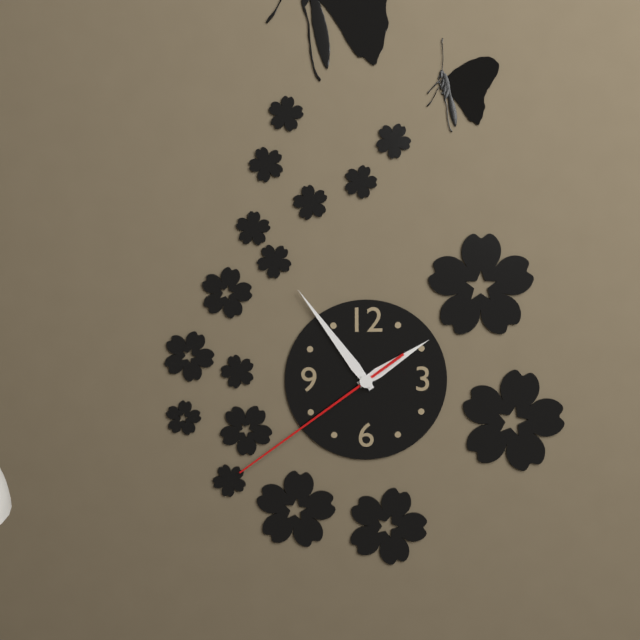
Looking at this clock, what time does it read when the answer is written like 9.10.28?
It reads 1.54.39
